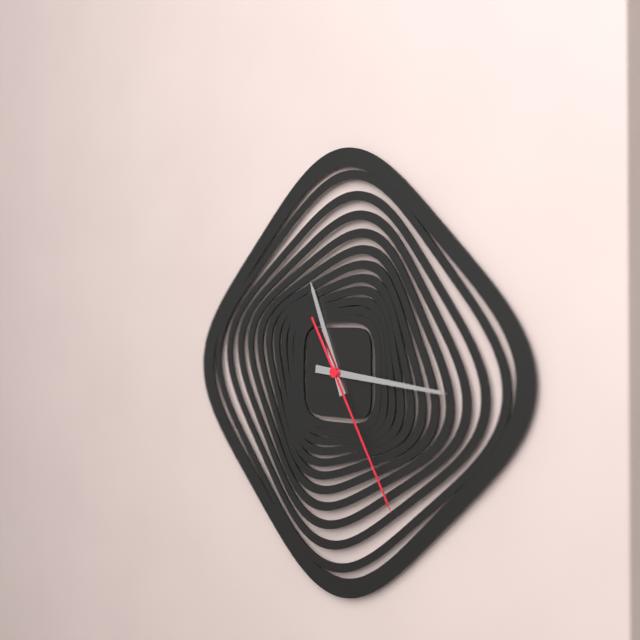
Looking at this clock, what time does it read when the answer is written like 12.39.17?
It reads 11.16.25
